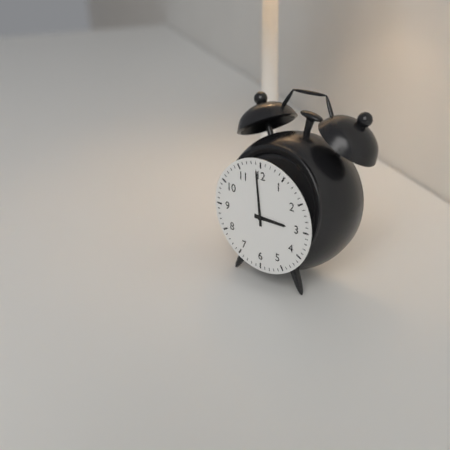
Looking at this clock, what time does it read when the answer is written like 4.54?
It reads 2.59
